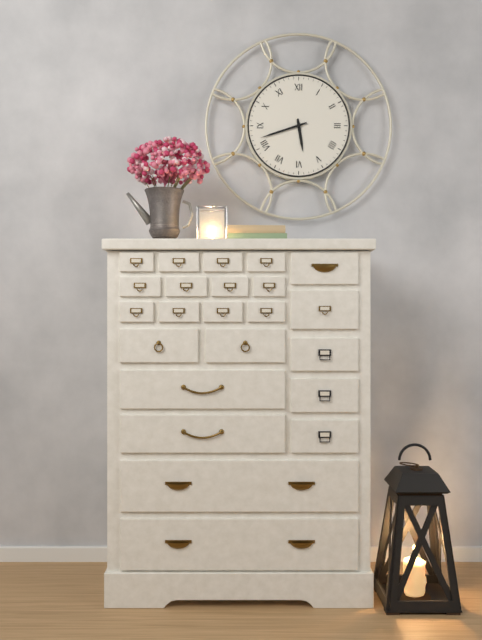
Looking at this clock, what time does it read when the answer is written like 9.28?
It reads 5.42
